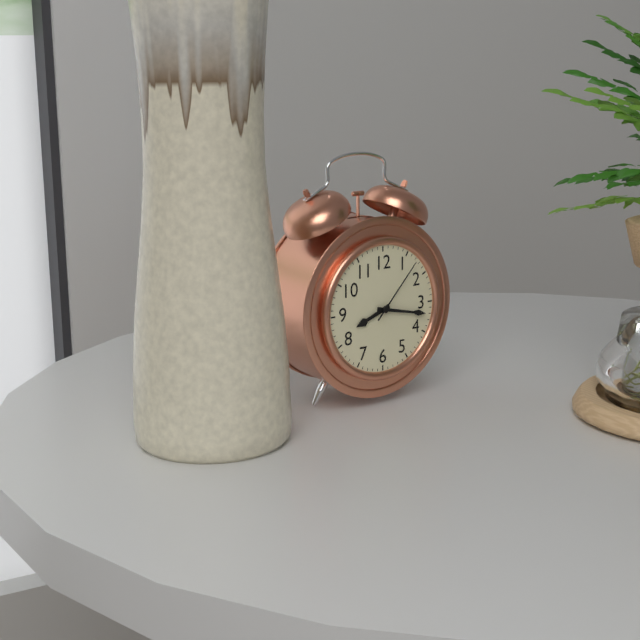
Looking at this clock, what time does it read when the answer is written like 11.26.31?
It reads 8.17.07
